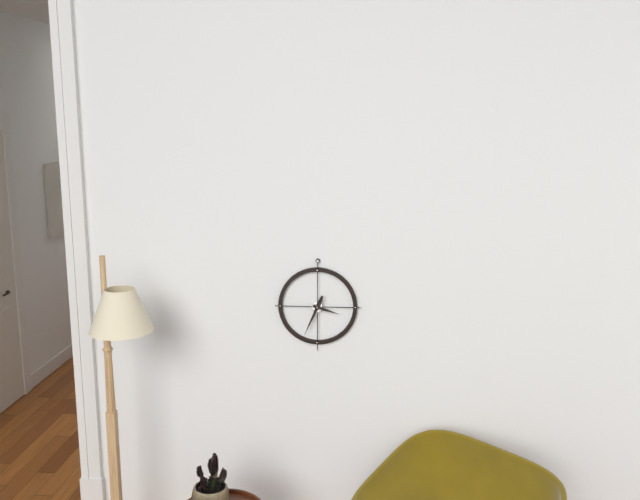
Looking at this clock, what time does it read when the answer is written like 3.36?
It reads 3.34
